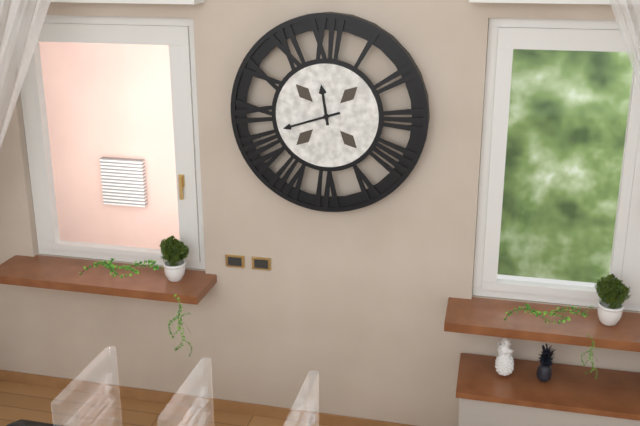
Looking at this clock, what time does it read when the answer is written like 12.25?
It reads 11.42
